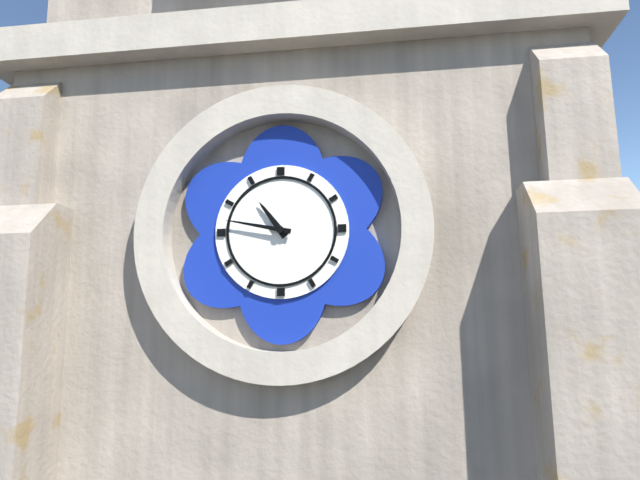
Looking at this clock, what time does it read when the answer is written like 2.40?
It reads 10.47
